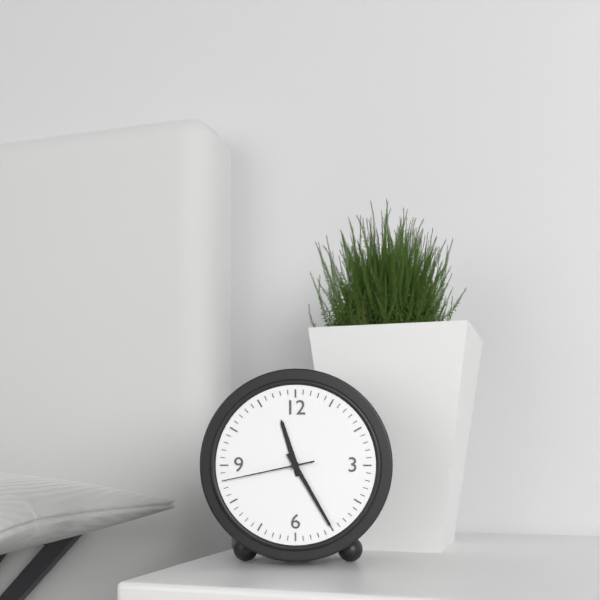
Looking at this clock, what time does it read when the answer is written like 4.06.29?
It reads 11.25.43
